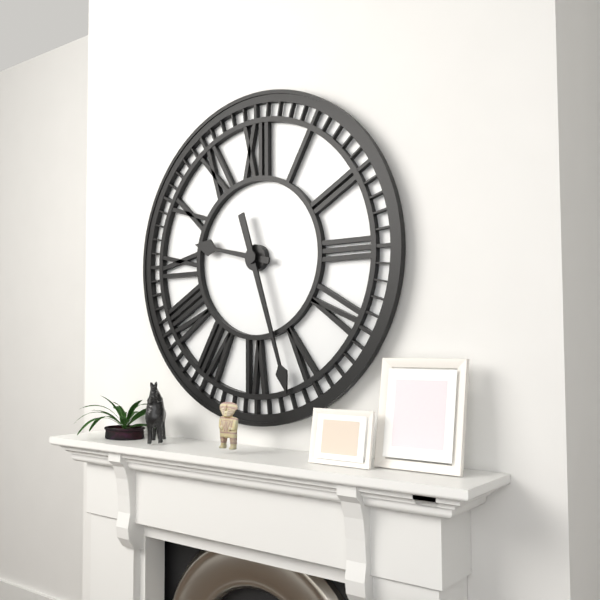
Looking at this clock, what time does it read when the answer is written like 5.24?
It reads 9.27
